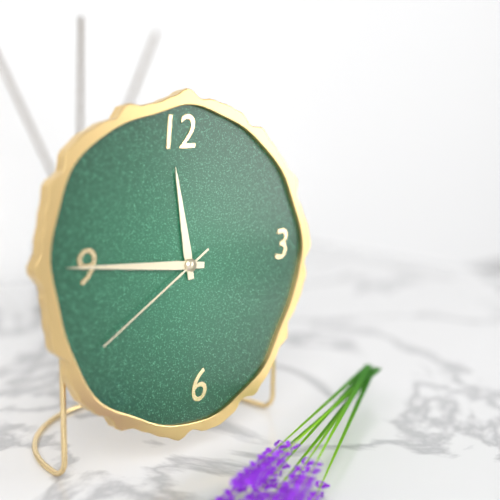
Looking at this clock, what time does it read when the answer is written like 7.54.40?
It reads 11.46.40
